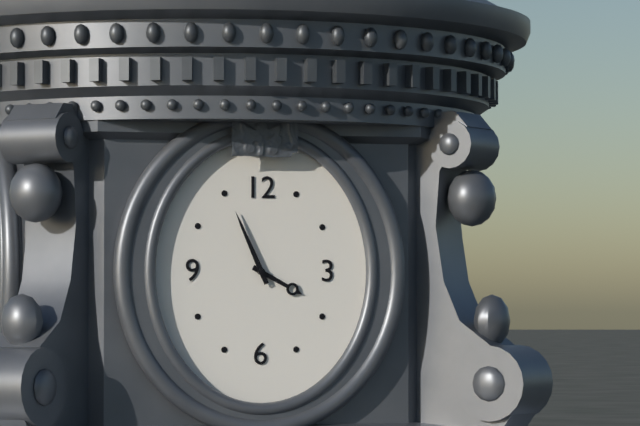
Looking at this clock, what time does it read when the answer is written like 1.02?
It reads 3.56
